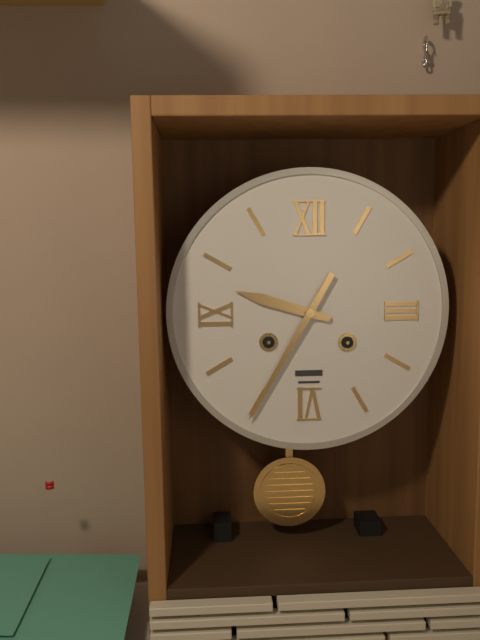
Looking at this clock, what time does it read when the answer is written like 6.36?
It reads 9.35
